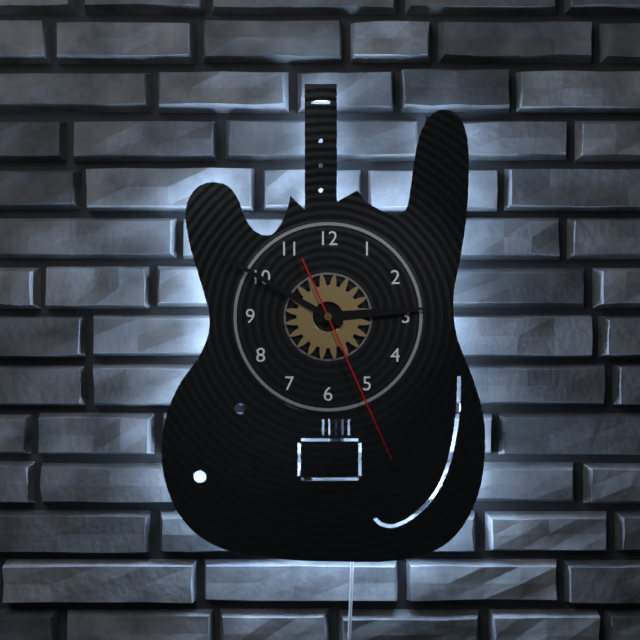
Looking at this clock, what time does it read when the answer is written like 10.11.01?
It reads 2.50.26
